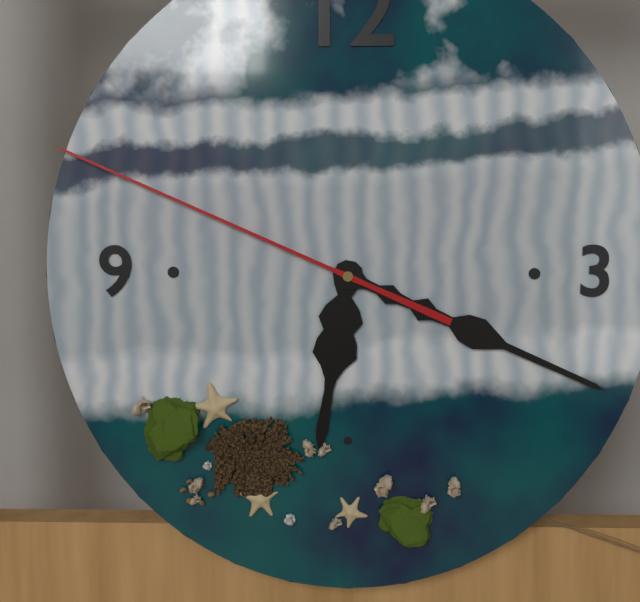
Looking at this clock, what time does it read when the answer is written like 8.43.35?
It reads 6.19.49
